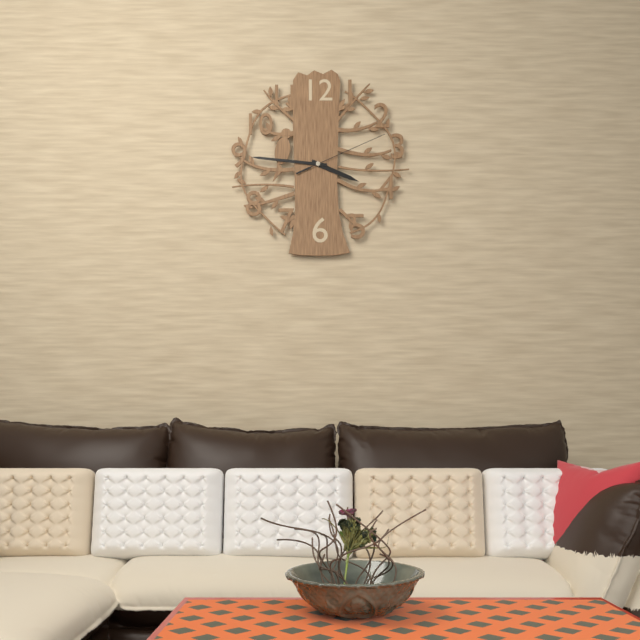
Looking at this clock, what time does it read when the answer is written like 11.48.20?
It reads 3.46.11
